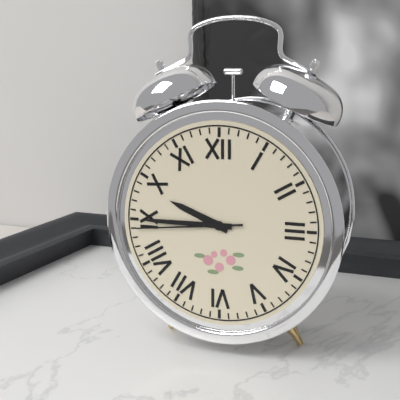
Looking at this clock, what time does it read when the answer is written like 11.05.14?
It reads 9.45.44
